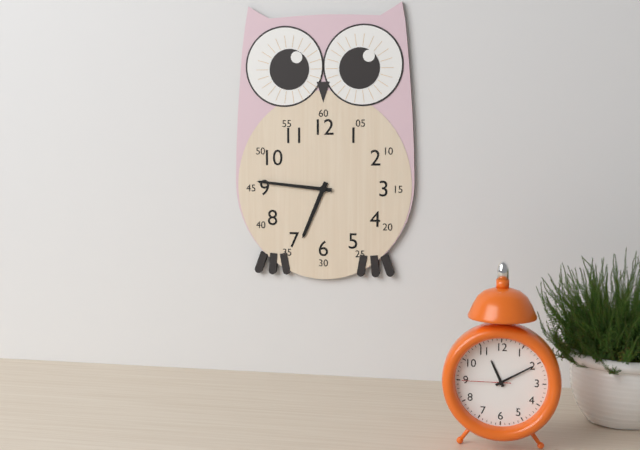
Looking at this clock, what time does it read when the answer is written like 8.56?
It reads 6.46
